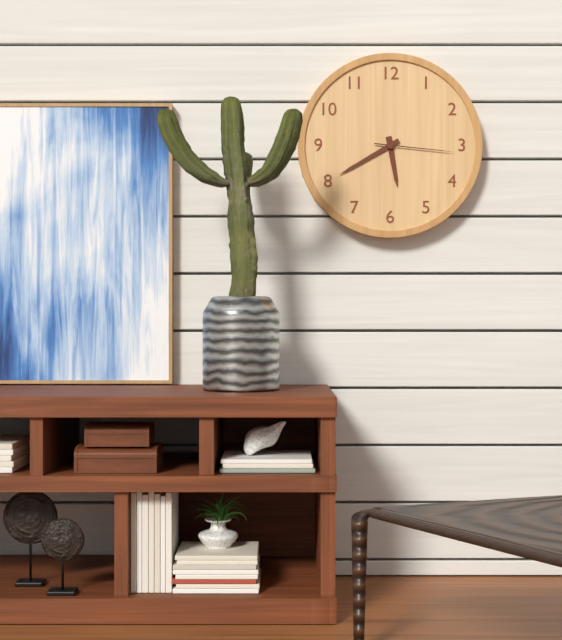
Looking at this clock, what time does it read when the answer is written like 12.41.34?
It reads 5.40.16
